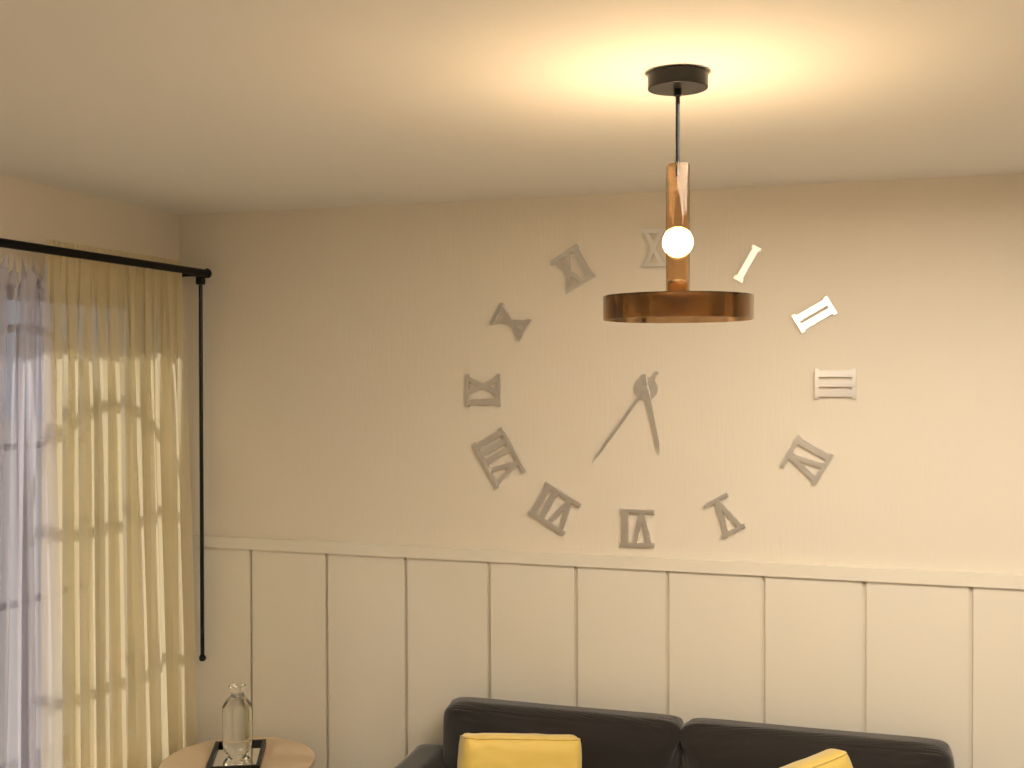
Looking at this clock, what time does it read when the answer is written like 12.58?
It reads 5.36
